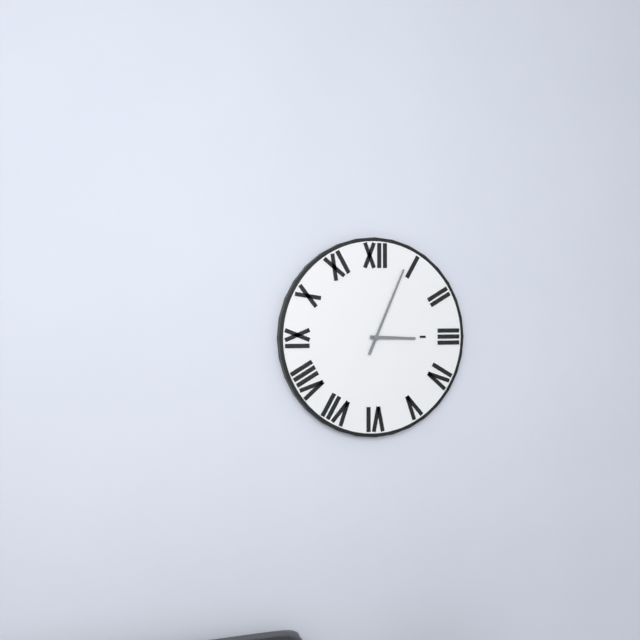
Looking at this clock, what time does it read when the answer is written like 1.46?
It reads 3.04
